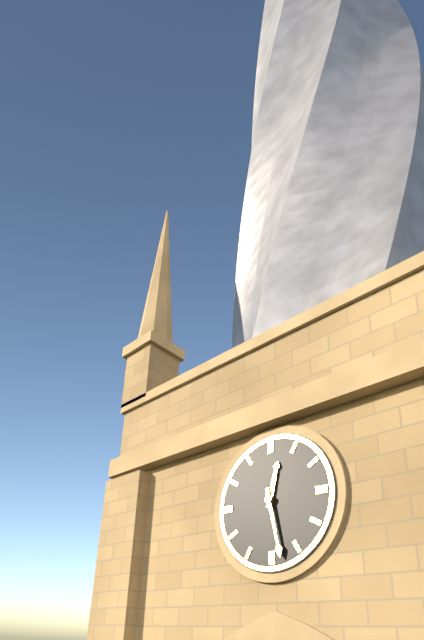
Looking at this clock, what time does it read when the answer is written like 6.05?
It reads 12.28
